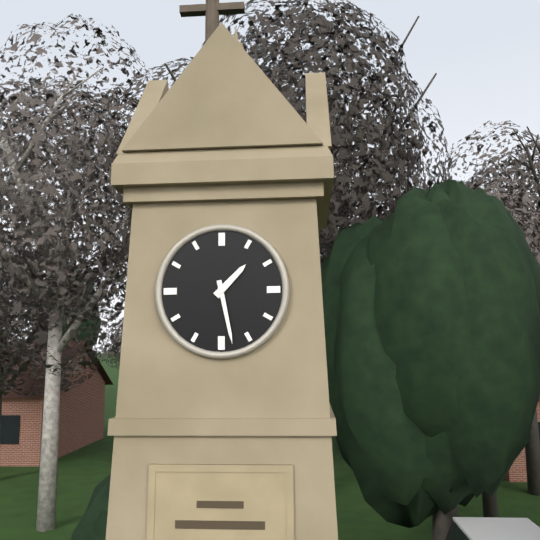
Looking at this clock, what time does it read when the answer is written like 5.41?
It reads 1.28
